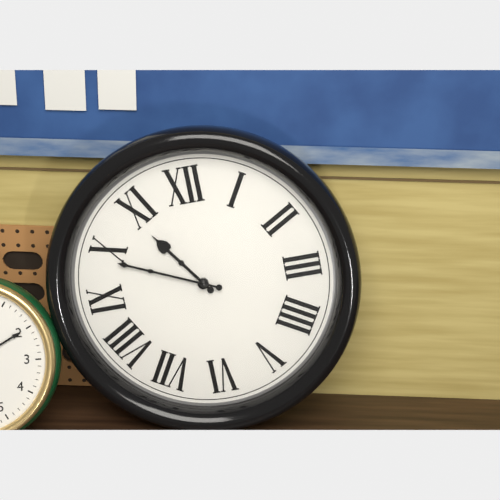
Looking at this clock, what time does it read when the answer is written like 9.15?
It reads 10.49
